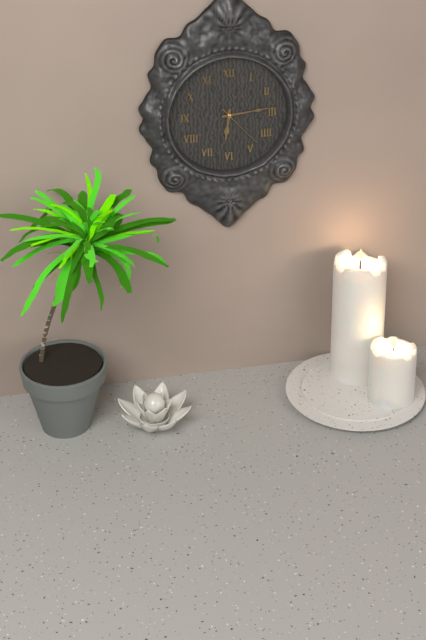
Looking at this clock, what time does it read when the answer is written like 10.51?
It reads 6.14
